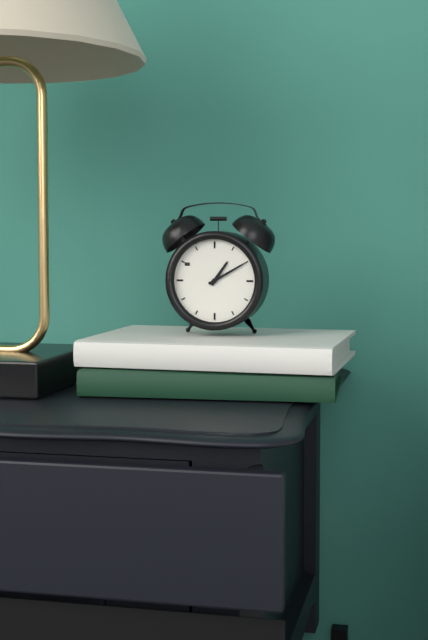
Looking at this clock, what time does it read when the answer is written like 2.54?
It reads 1.10
